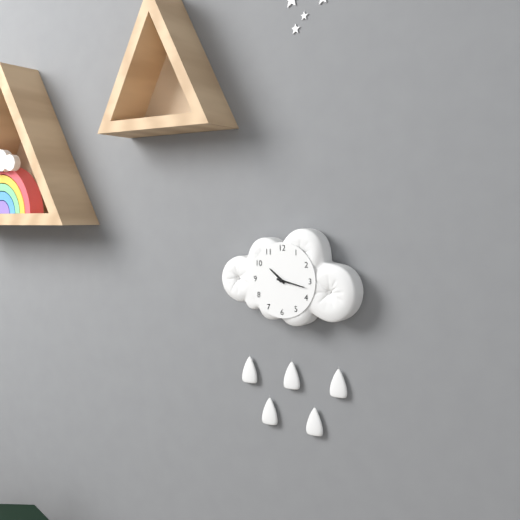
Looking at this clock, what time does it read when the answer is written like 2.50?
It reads 10.17
